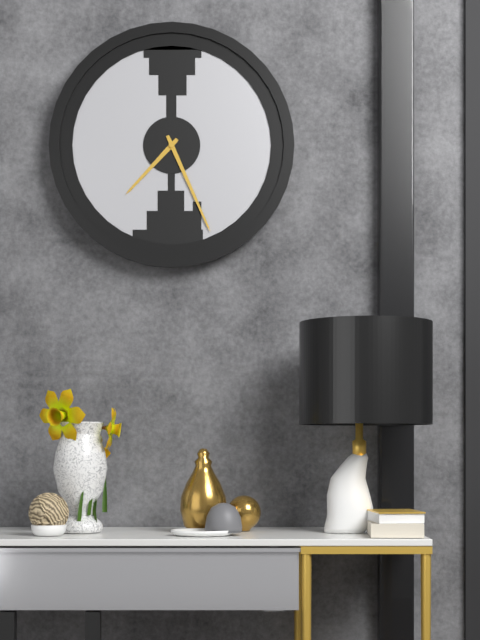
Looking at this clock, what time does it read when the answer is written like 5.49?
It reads 7.26
